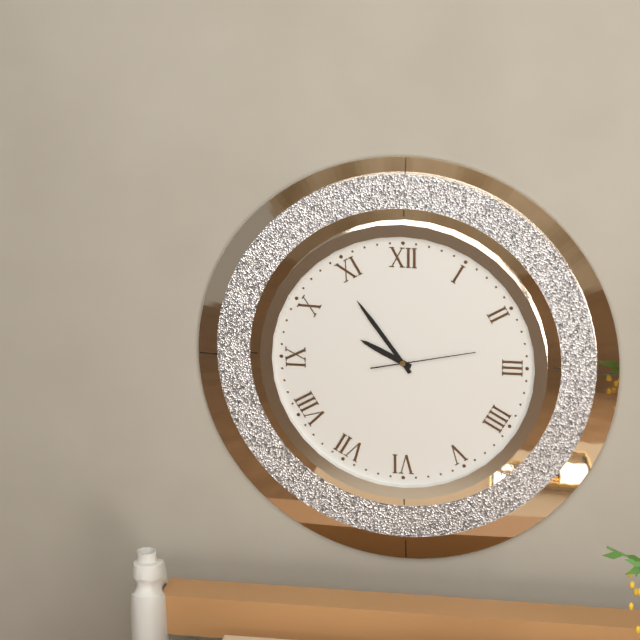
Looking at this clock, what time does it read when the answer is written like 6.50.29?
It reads 9.54.13
